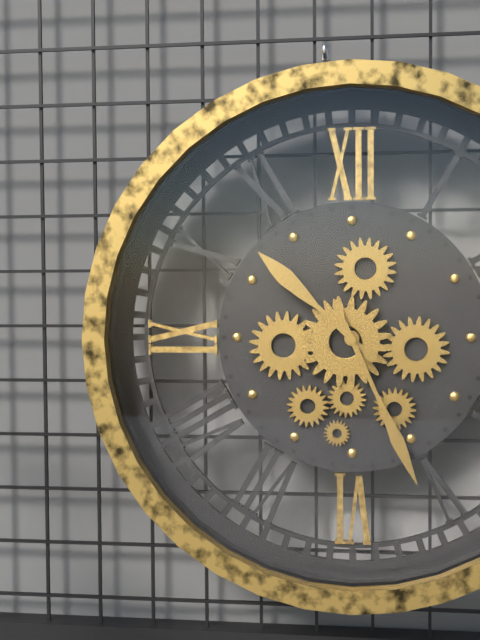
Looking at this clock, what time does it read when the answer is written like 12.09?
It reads 10.26
